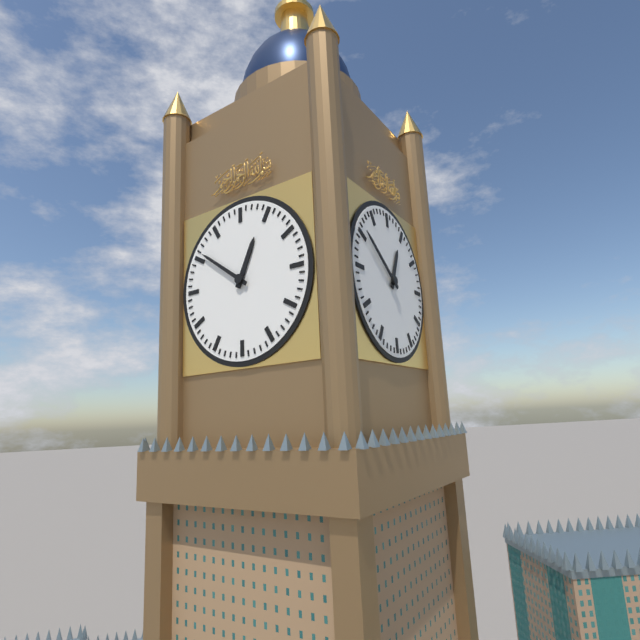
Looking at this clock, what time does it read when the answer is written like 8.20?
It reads 12.51
